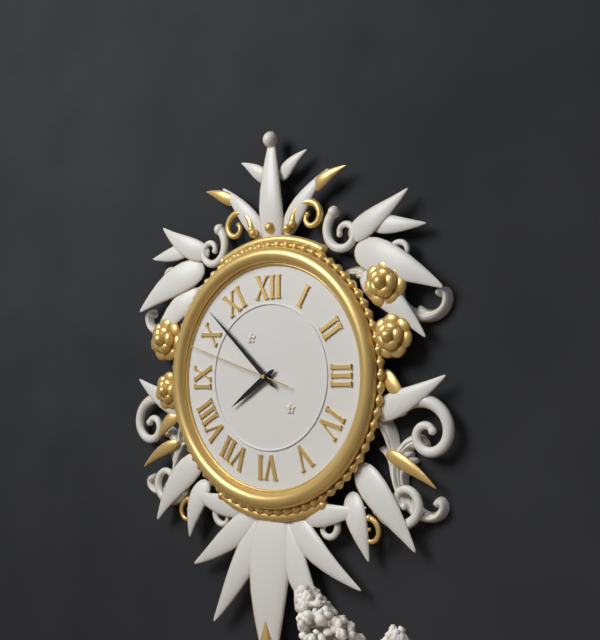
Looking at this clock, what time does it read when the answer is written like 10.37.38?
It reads 7.52.48
